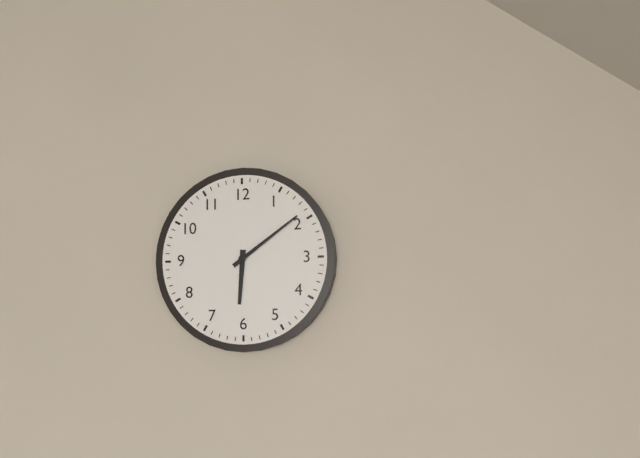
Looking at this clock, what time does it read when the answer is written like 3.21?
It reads 6.09
